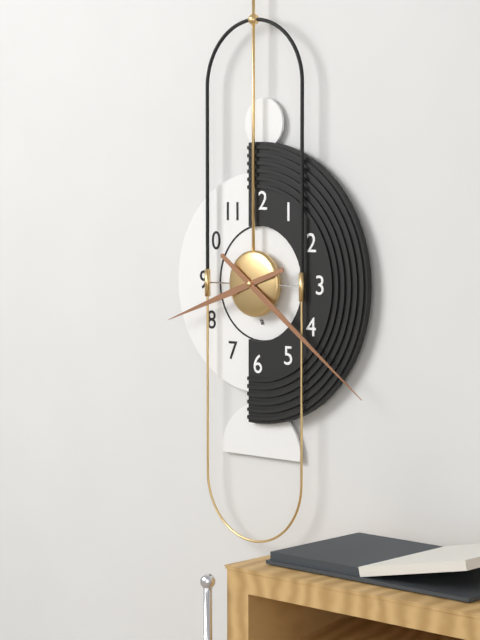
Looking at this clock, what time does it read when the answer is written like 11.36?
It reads 8.21
